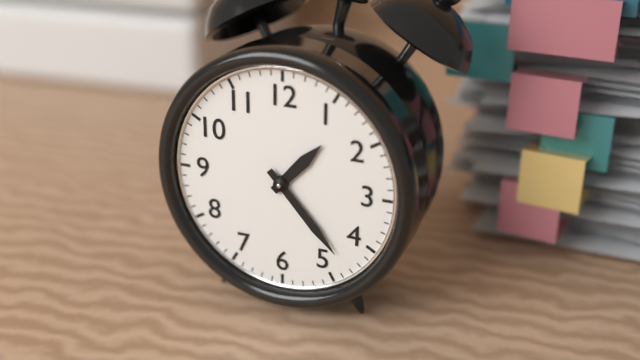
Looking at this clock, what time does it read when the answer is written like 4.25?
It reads 1.23
